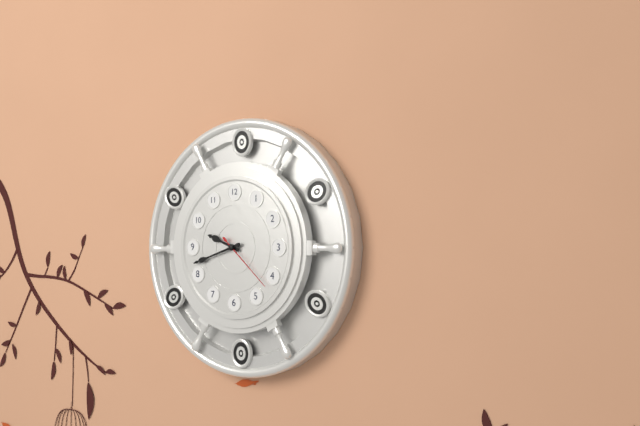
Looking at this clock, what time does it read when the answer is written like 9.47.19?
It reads 9.42.22
